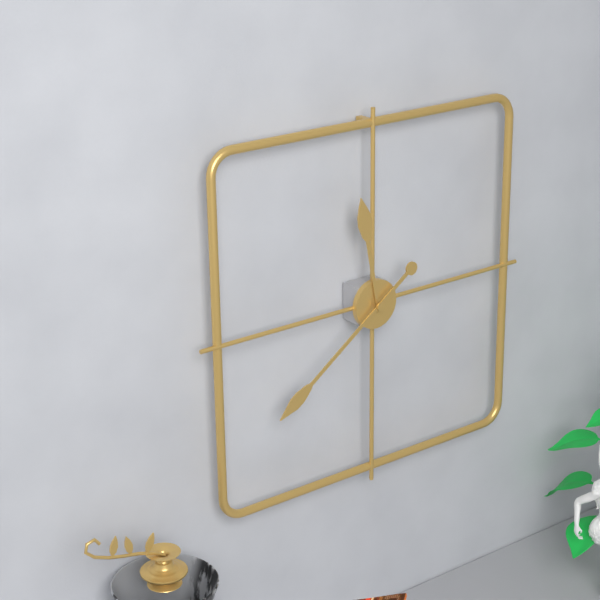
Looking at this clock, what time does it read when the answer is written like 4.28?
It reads 11.39
